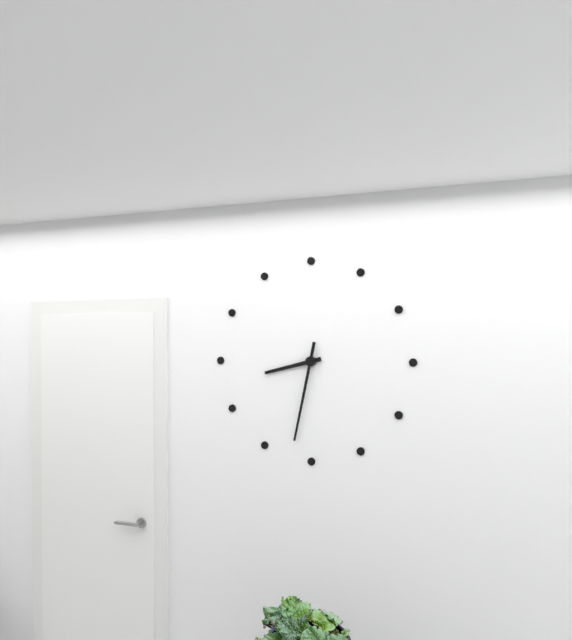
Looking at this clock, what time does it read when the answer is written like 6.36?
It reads 8.32
